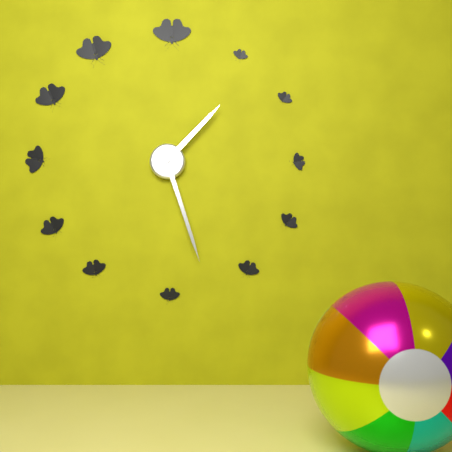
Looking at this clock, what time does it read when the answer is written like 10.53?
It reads 1.27
